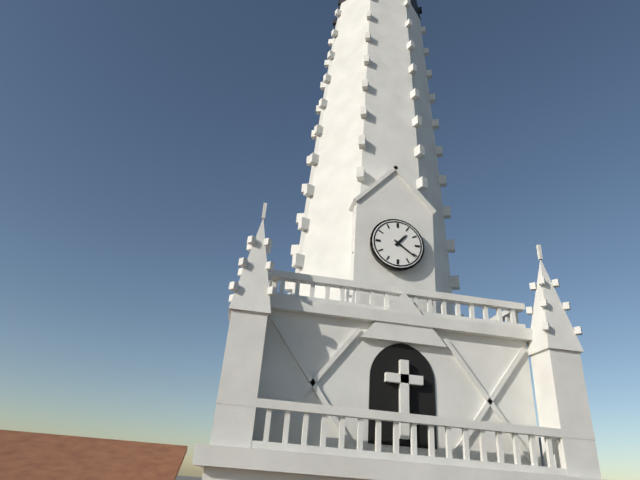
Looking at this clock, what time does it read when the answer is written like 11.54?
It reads 1.21
